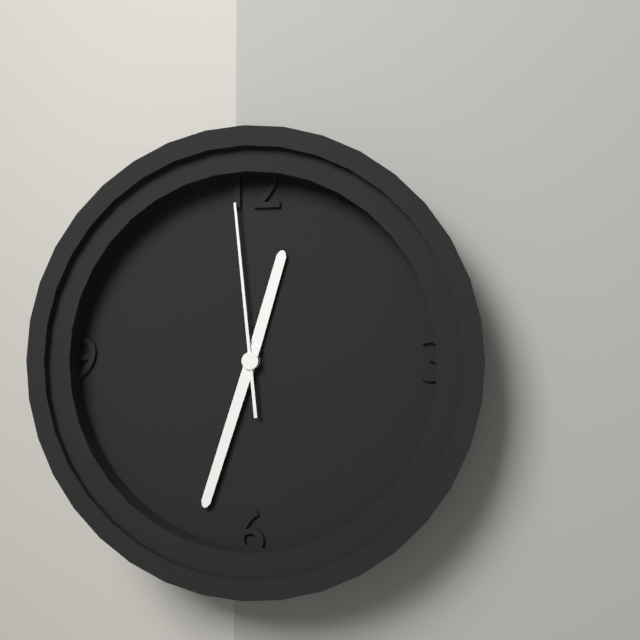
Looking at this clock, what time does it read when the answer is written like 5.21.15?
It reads 12.33.59
